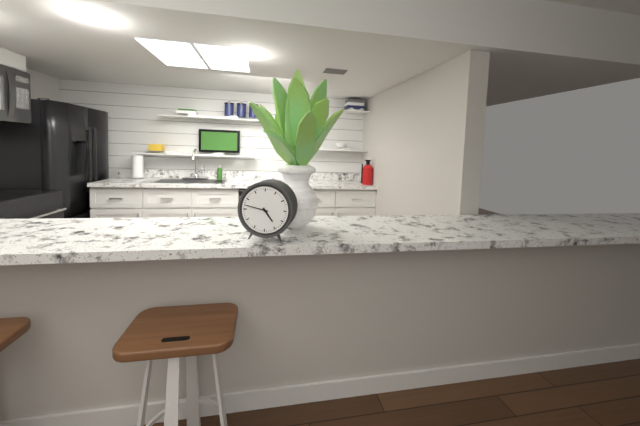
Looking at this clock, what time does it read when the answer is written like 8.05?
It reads 4.47
